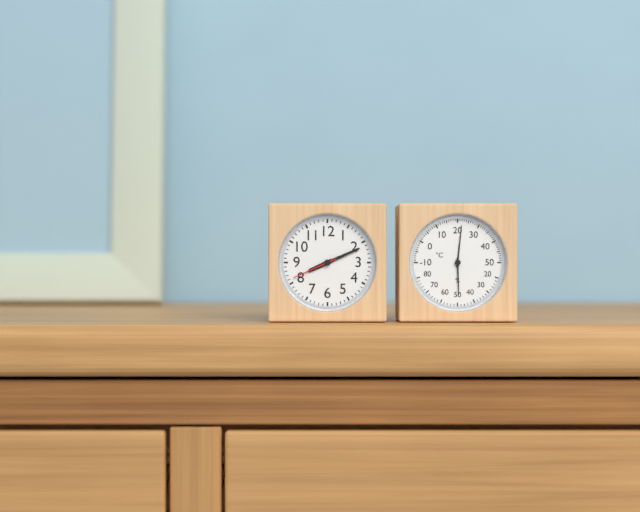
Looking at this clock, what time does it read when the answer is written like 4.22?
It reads 8.11
